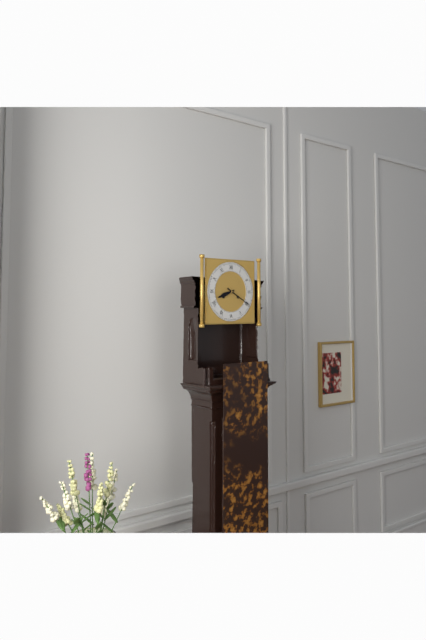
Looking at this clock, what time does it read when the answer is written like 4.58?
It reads 8.20
